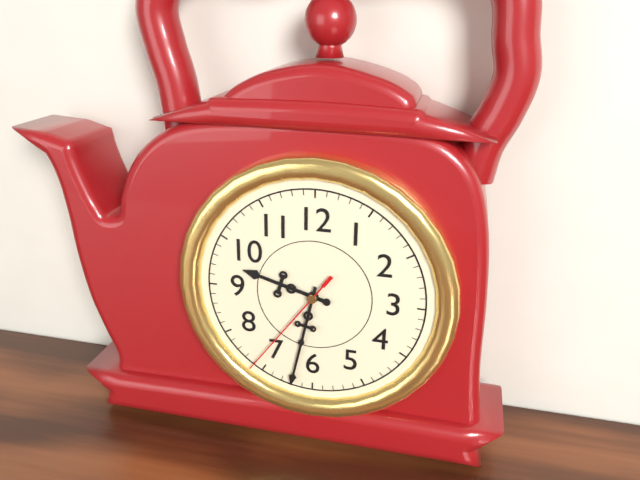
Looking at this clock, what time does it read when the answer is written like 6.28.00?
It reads 9.32.36
